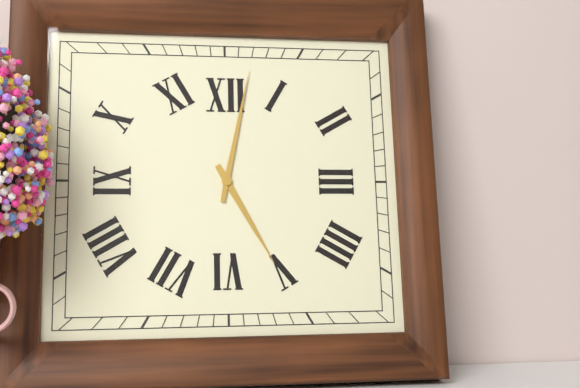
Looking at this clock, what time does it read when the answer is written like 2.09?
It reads 5.02
